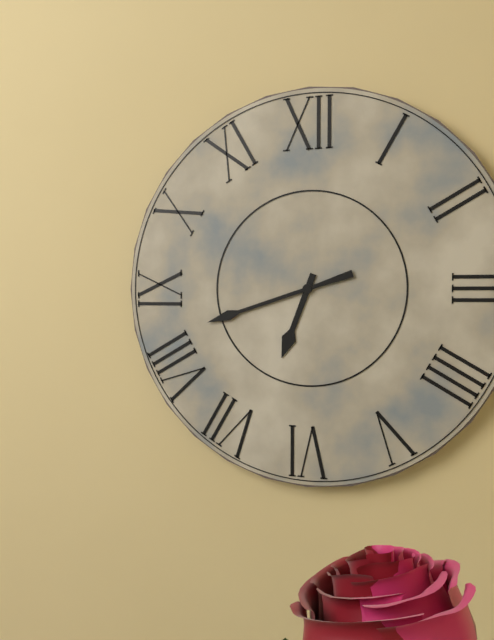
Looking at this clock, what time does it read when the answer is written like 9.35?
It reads 6.42
